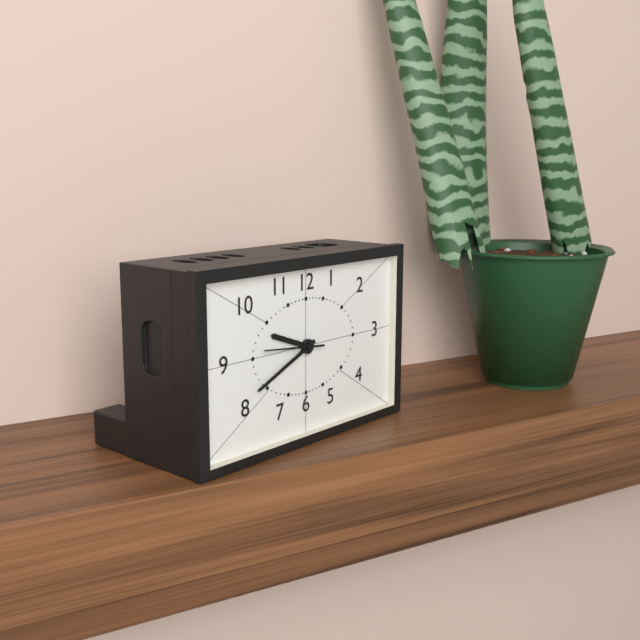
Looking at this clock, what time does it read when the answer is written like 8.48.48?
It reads 9.41.46
